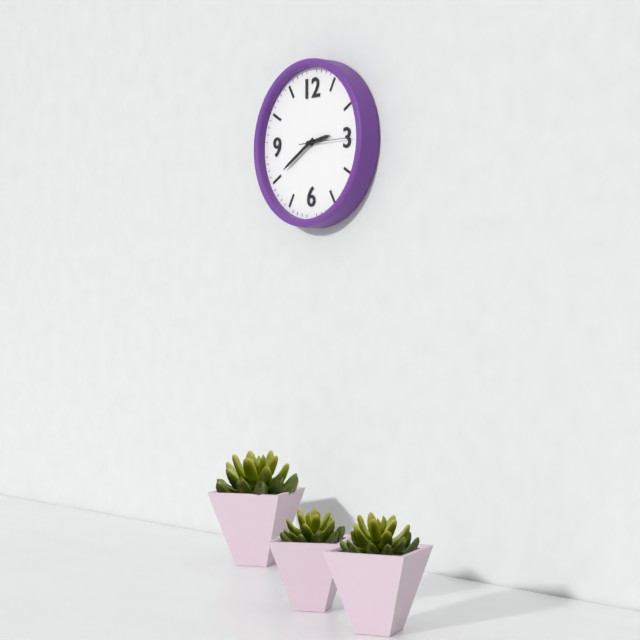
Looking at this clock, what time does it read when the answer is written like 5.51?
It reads 2.40
